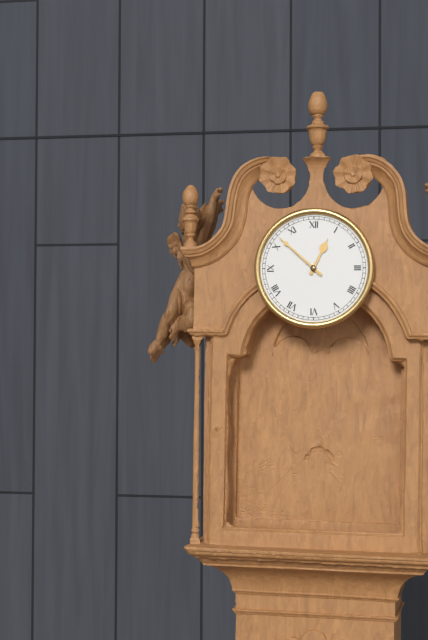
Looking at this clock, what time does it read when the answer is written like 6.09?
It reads 12.52
